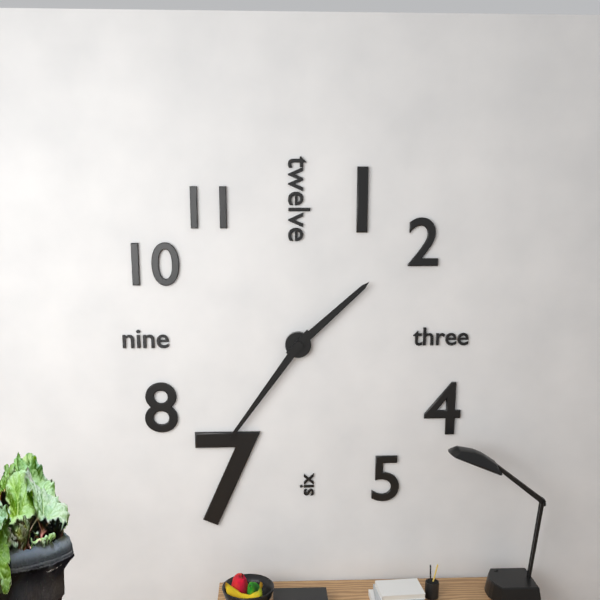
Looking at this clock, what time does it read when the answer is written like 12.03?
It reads 1.36
